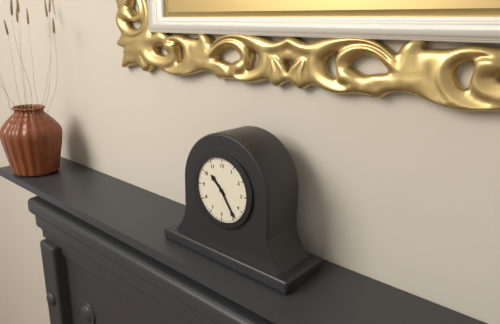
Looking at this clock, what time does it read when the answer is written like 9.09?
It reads 10.24
